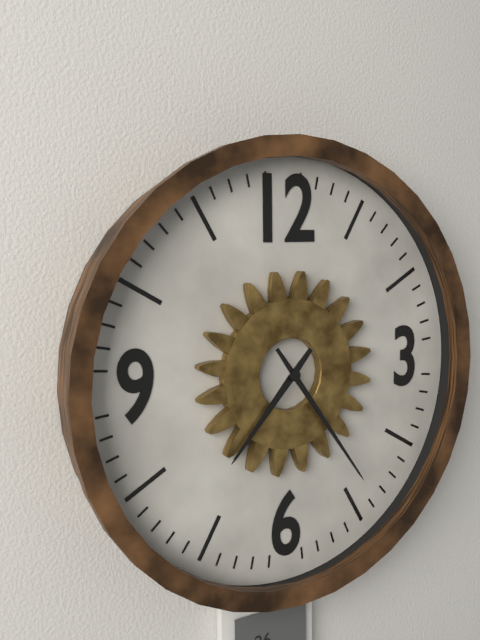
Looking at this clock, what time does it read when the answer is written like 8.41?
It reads 7.24
